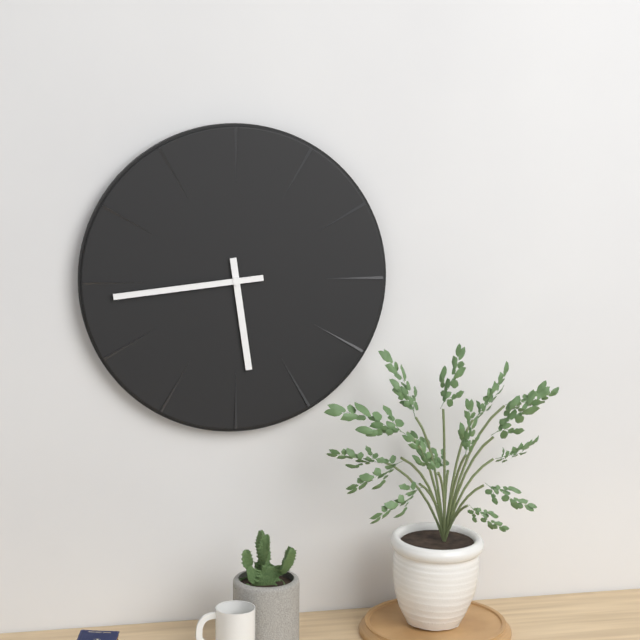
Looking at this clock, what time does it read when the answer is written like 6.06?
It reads 5.44
